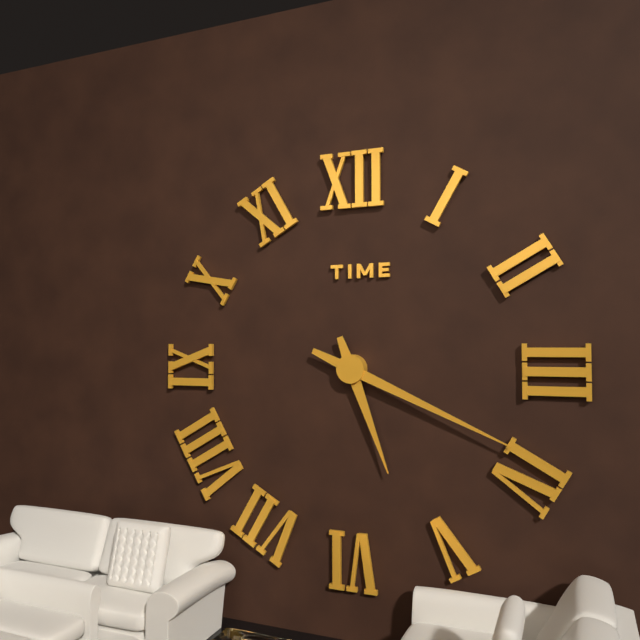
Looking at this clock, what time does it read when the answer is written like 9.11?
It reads 5.19
